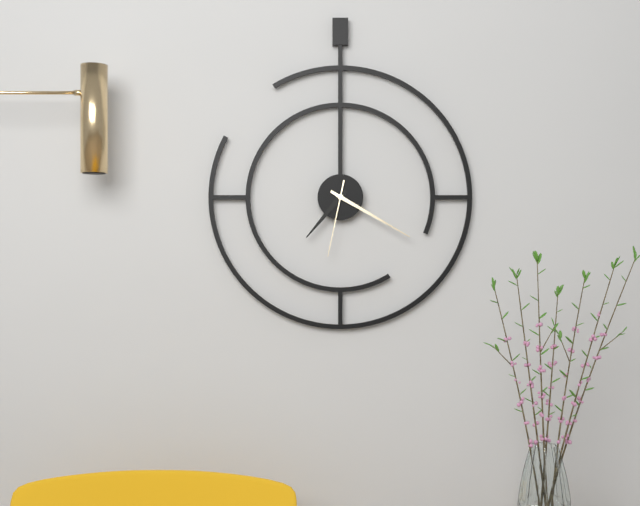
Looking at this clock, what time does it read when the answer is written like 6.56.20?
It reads 7.20.32
